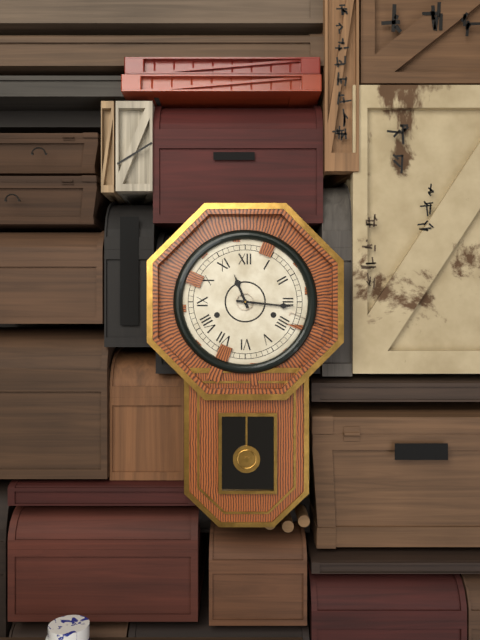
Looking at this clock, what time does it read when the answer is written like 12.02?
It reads 11.16
